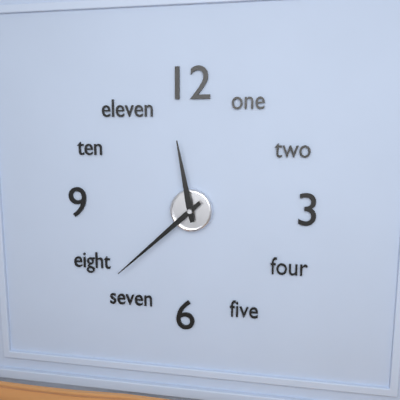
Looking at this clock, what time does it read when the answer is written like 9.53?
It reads 11.38
